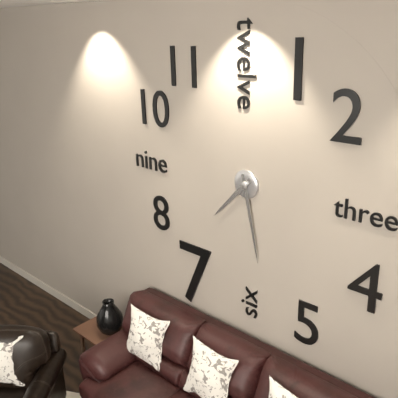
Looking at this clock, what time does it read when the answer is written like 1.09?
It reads 7.28
